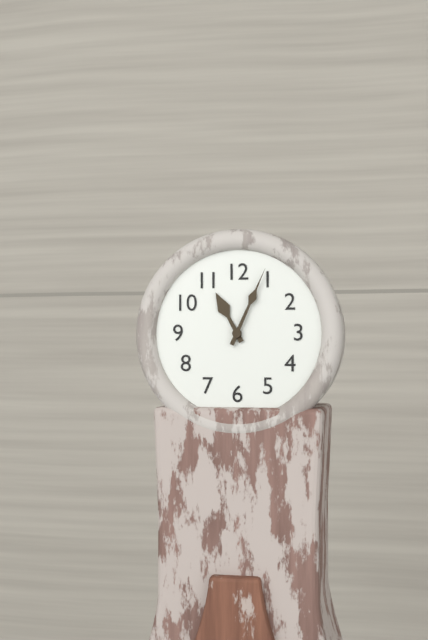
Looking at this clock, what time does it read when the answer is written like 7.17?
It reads 11.04
